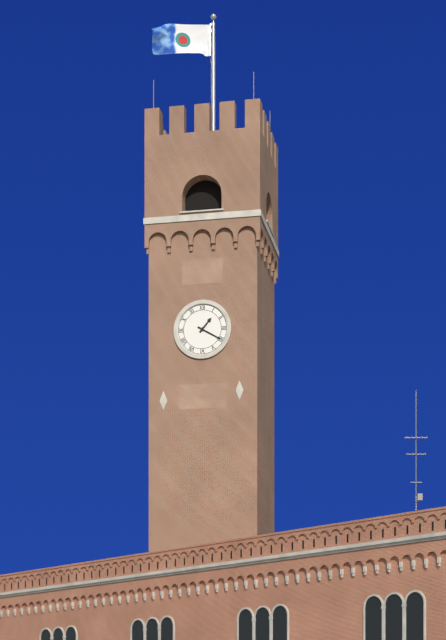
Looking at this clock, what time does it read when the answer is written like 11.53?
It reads 1.20
